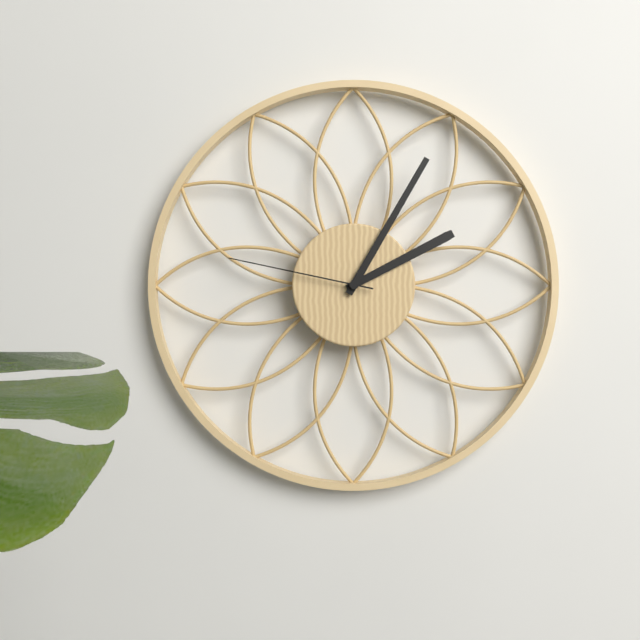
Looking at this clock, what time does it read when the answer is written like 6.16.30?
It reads 2.05.47
